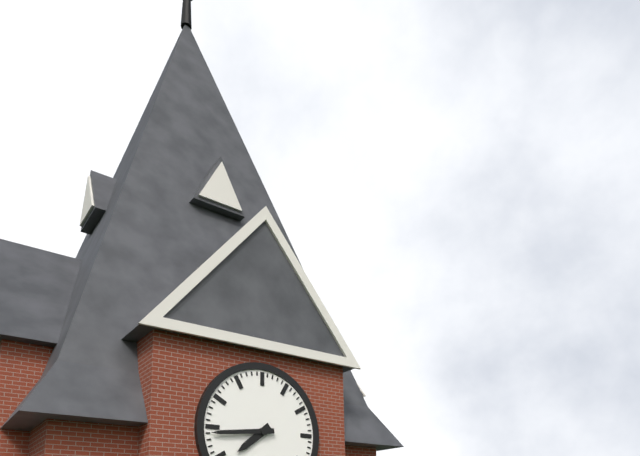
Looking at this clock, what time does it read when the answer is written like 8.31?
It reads 7.44
